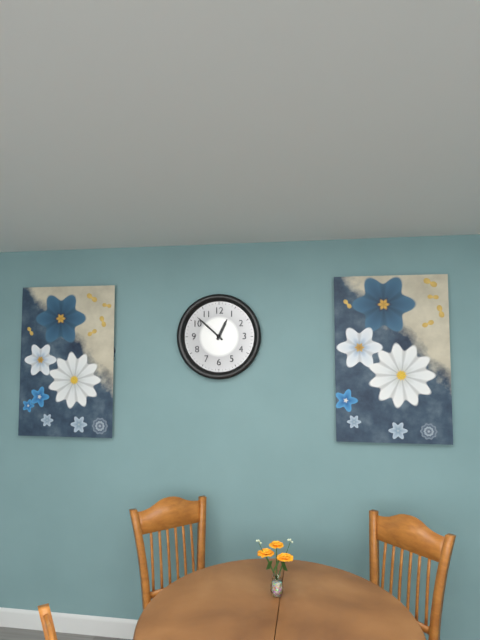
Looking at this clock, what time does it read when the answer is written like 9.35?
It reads 12.52
